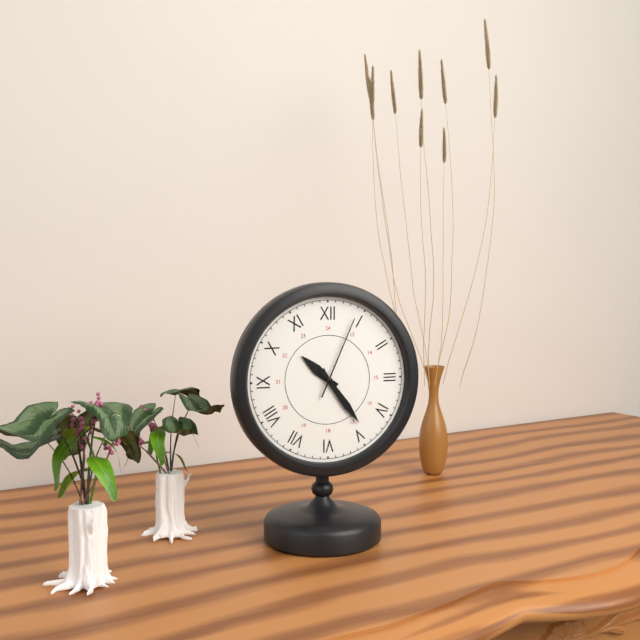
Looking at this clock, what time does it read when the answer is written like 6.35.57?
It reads 10.24.04
